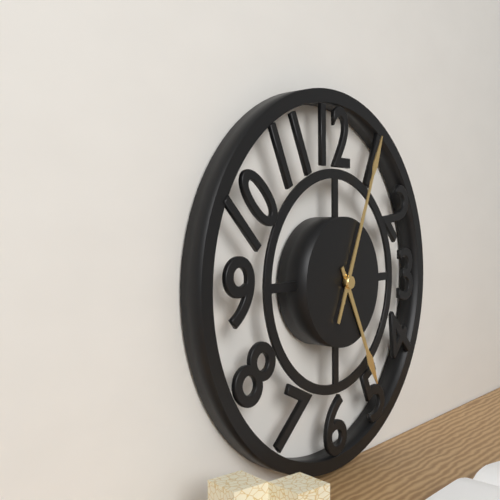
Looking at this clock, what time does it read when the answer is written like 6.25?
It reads 5.04
